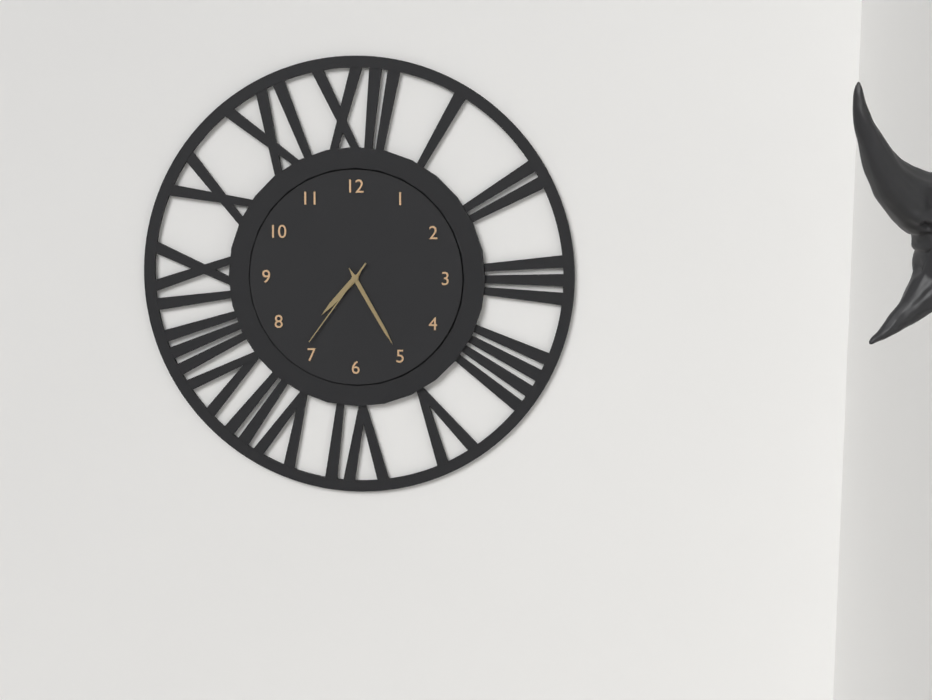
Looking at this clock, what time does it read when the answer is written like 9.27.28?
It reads 7.25.36
